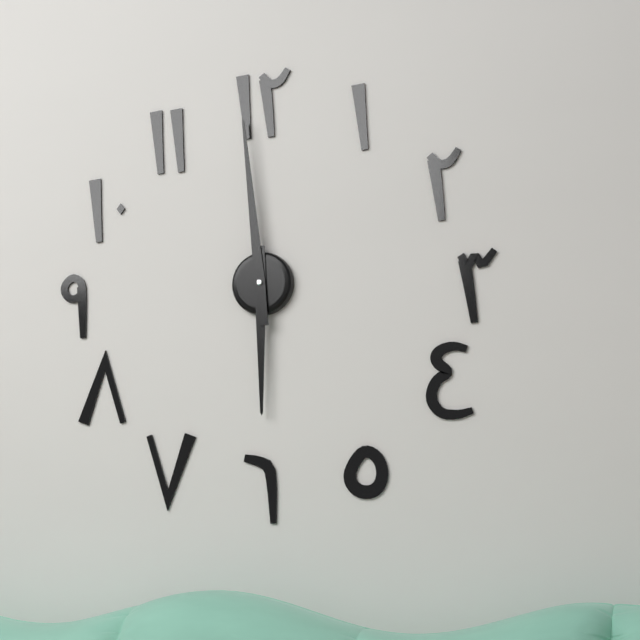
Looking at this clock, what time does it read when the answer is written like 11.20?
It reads 5.59
